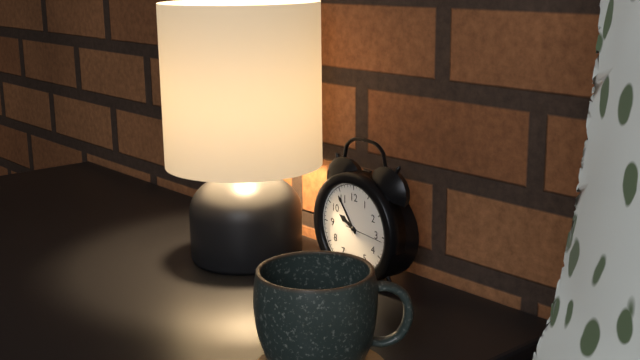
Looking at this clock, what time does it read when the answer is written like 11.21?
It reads 9.54
